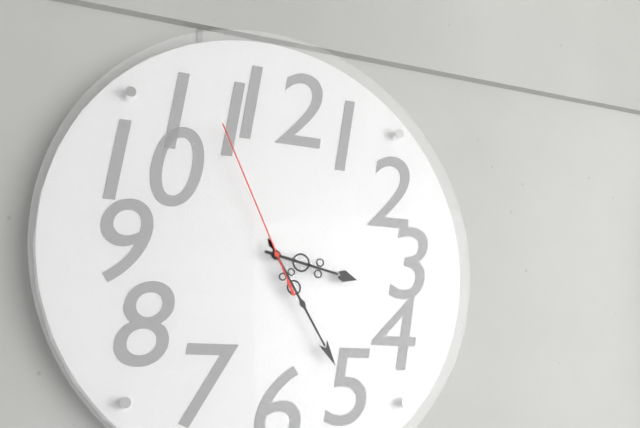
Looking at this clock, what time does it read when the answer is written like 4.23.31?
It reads 3.25.56
